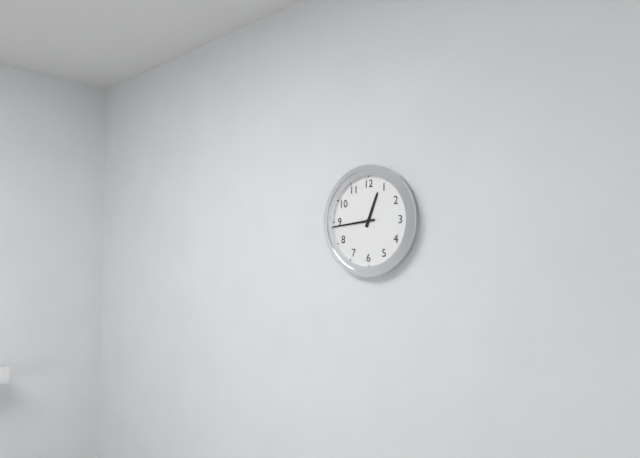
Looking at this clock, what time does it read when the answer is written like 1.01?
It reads 12.44
